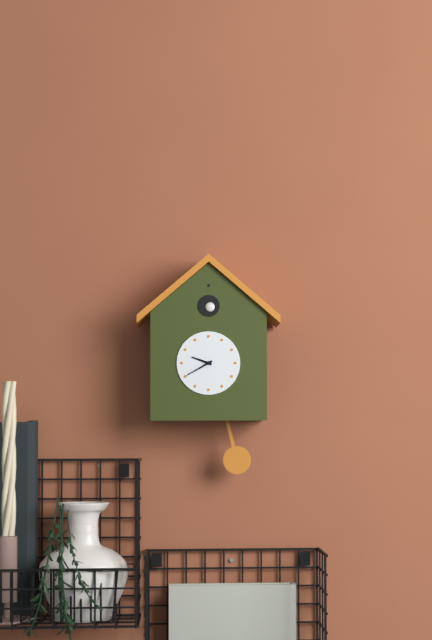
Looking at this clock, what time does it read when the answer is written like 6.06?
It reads 9.40
